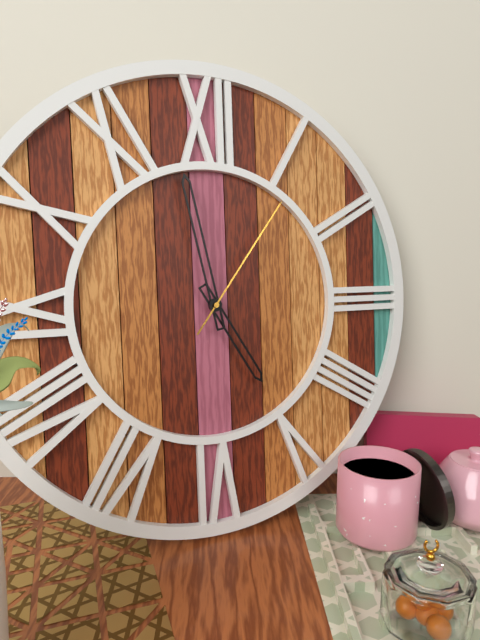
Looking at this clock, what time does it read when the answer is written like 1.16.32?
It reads 4.58.06
